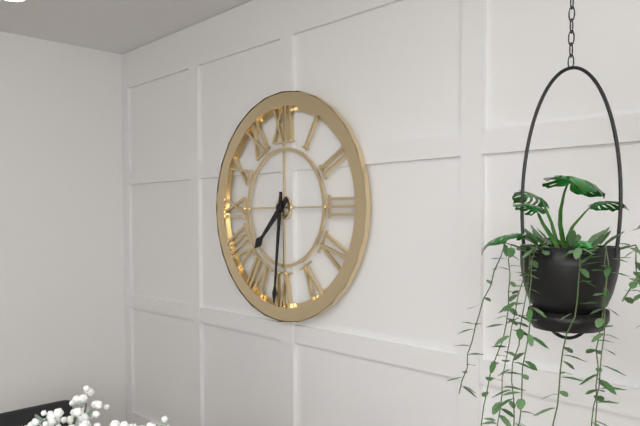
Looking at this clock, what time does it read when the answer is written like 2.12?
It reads 7.31
